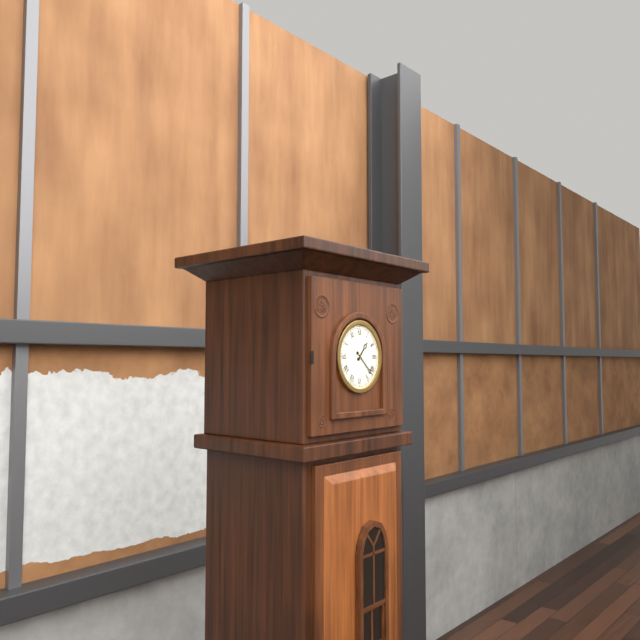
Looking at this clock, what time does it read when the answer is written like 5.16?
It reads 1.22
